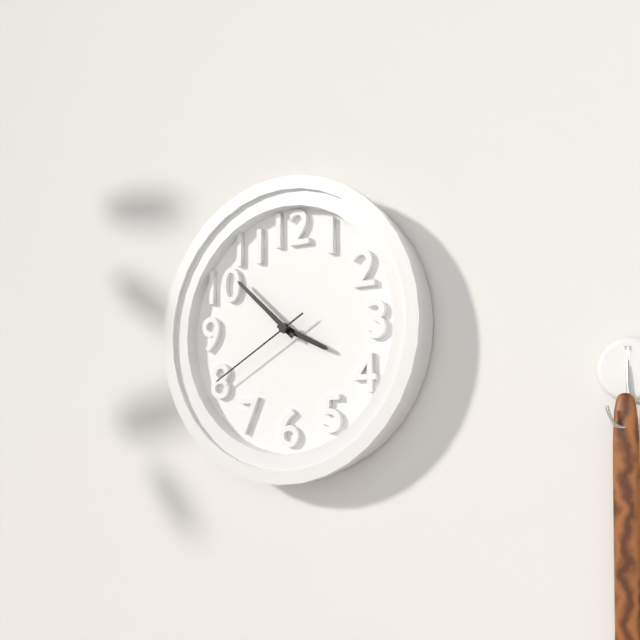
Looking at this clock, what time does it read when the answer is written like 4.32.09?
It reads 3.52.40
